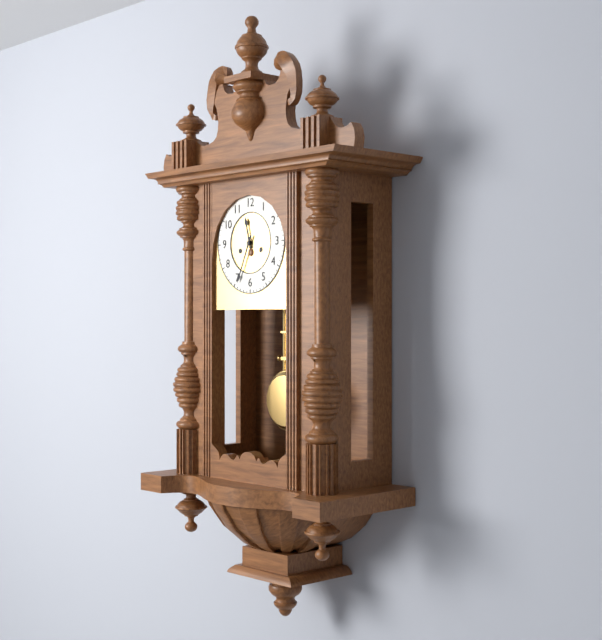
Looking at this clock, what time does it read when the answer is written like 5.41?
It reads 11.34
